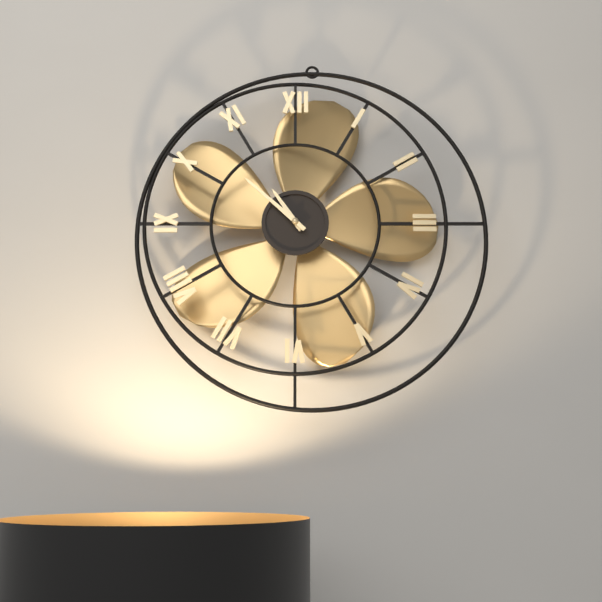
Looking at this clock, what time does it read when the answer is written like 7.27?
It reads 10.52
